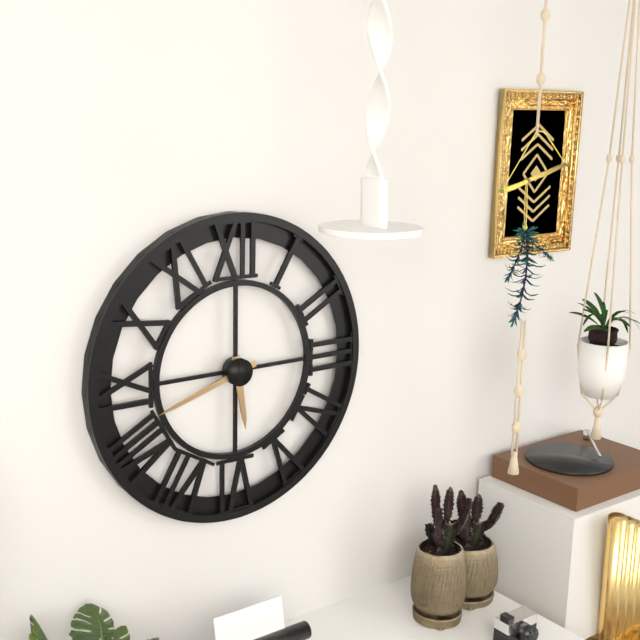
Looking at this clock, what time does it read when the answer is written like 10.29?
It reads 5.42
